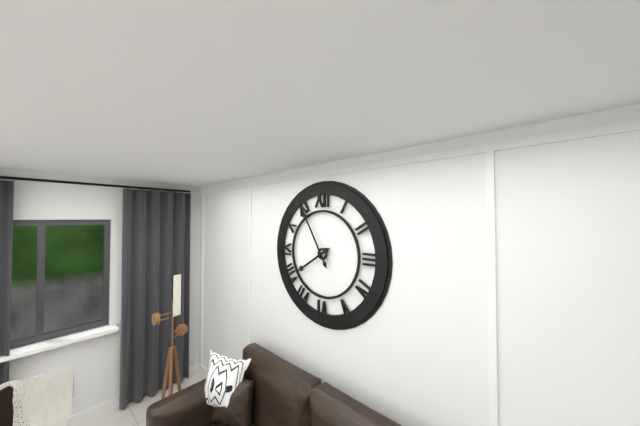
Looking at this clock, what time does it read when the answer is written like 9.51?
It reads 7.55
